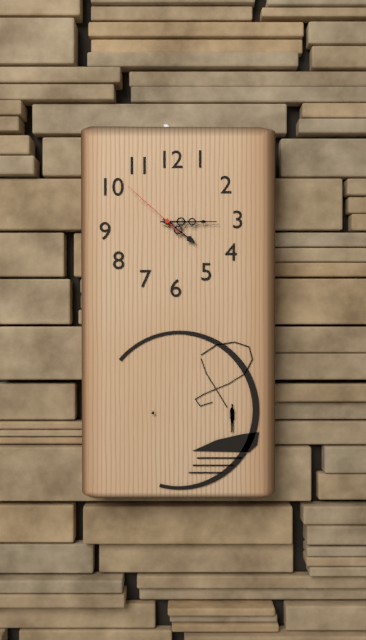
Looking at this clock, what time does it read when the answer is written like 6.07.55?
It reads 4.15.52
